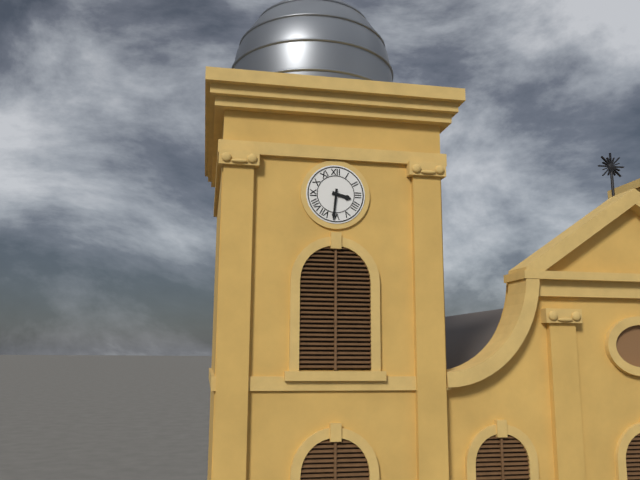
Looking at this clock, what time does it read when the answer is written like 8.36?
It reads 3.31
